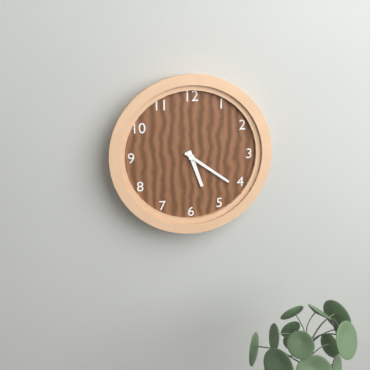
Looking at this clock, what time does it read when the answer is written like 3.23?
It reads 5.21
